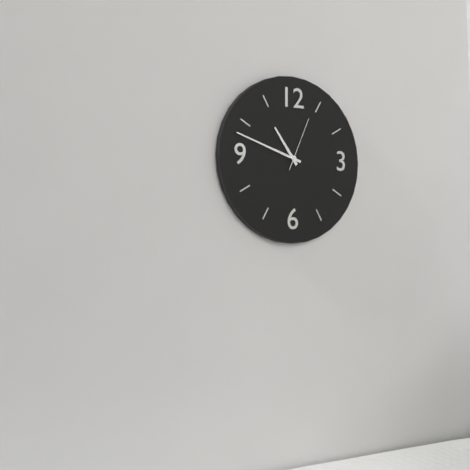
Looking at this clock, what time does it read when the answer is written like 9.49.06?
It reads 10.48.04
